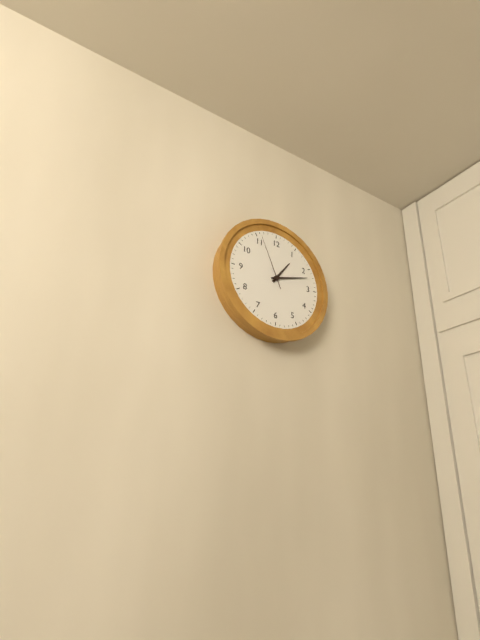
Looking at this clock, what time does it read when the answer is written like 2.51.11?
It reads 1.12.56
